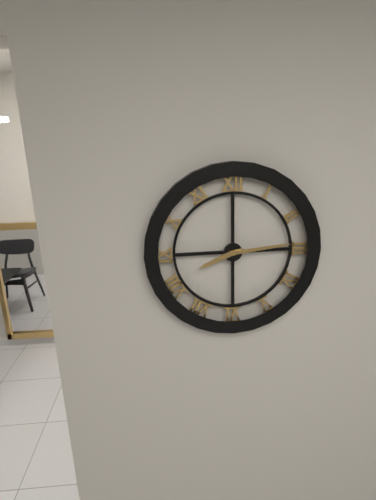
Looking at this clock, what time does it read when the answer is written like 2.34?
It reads 8.14
